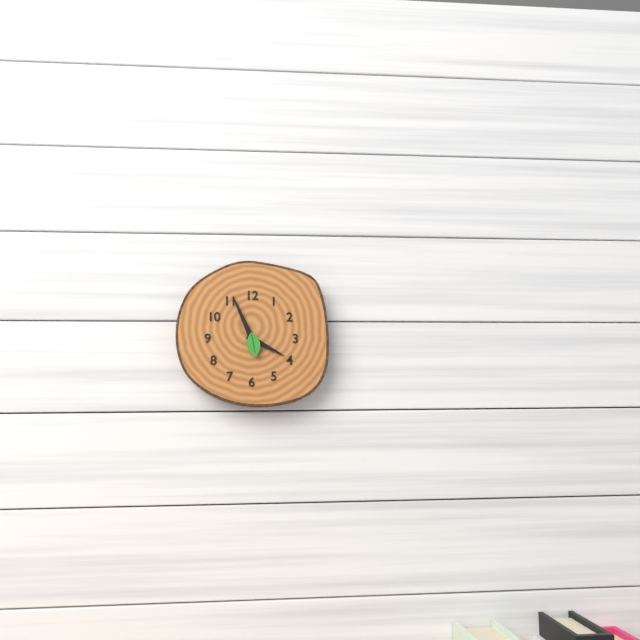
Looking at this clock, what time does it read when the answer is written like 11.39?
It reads 3.56
